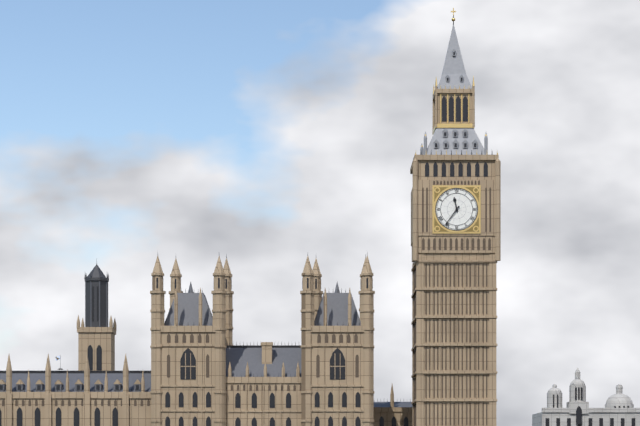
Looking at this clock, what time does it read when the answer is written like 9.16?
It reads 11.36
